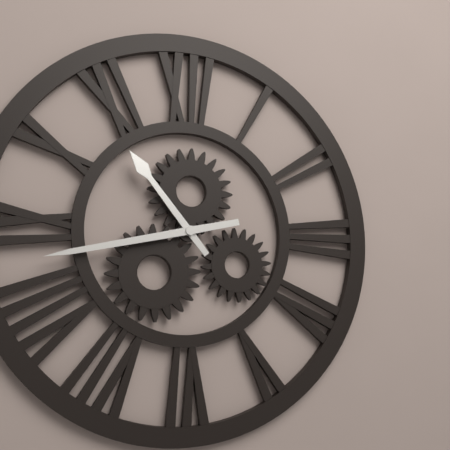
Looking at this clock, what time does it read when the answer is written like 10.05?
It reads 10.43
